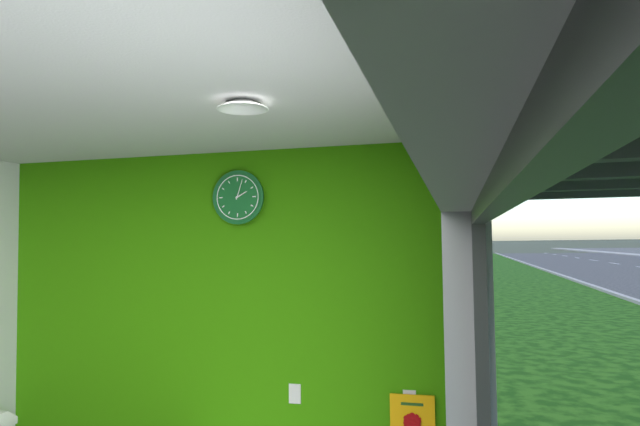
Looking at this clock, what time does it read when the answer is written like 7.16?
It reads 2.03
